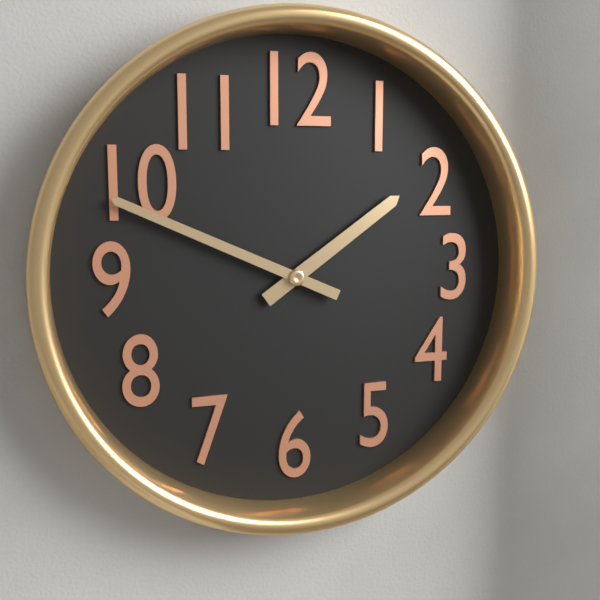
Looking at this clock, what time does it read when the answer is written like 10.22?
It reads 1.49
